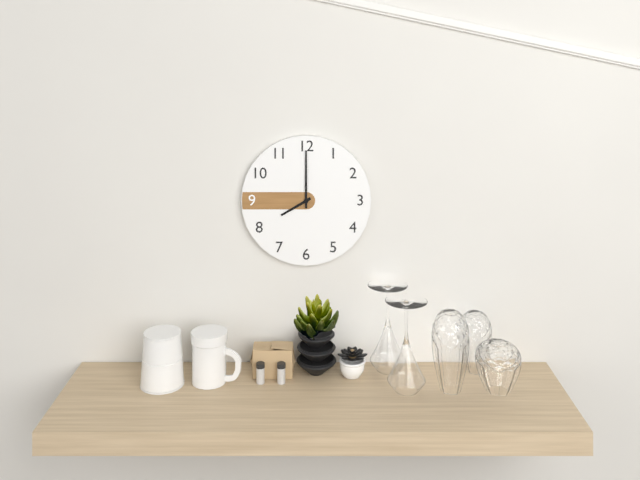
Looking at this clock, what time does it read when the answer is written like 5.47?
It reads 8.00
